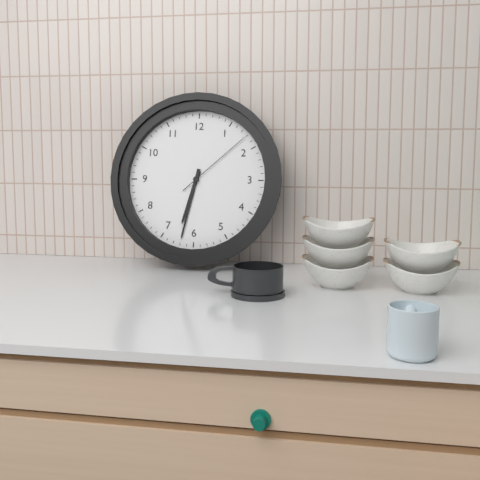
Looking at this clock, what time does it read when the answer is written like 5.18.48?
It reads 6.32.08
